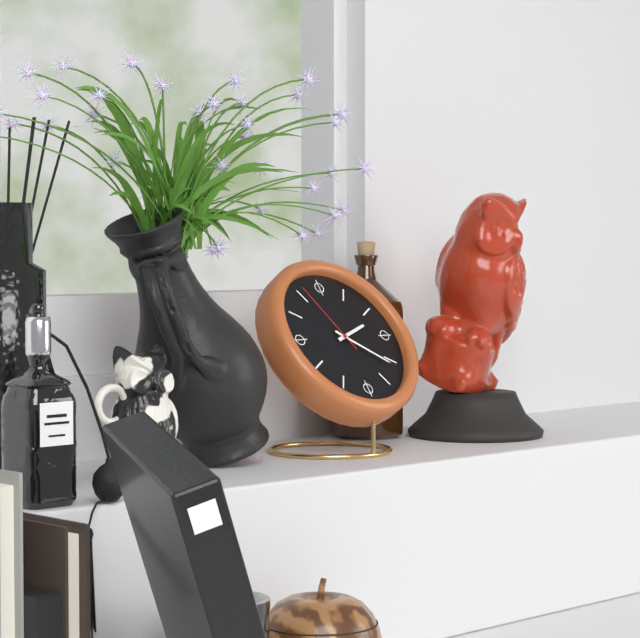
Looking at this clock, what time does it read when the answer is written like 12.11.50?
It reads 2.21.56
